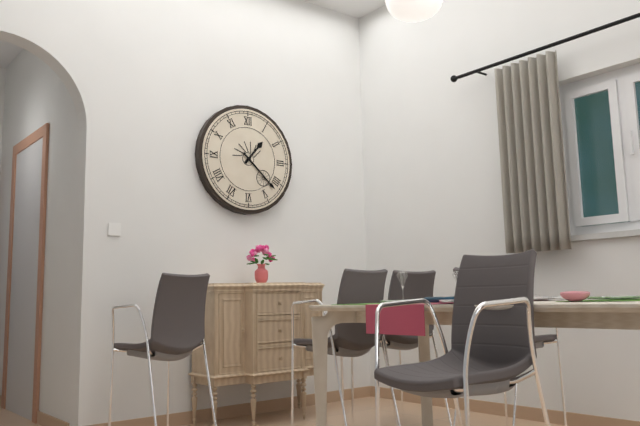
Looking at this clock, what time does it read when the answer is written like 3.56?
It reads 1.22
